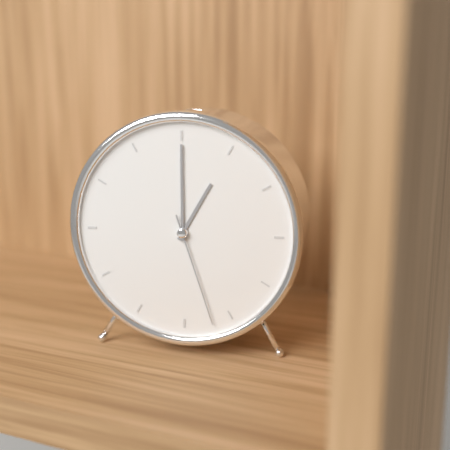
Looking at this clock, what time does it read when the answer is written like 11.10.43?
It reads 1.00.27
